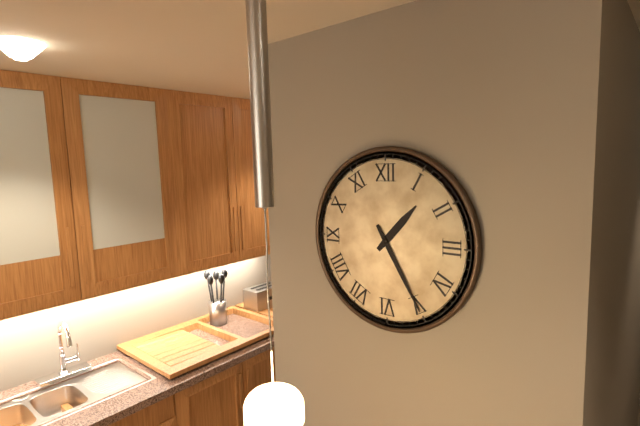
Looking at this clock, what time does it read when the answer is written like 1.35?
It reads 1.25
